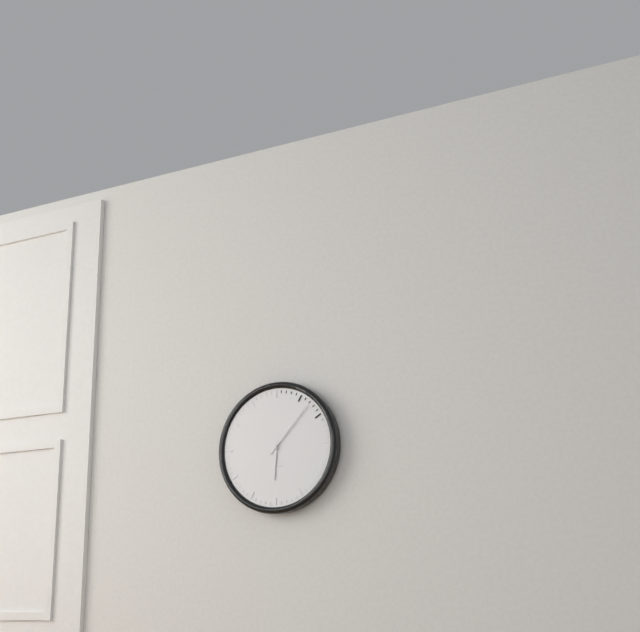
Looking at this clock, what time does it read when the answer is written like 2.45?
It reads 6.07
